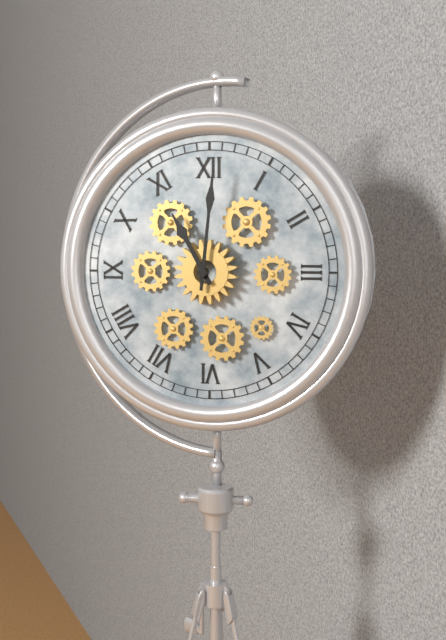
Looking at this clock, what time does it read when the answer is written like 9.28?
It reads 11.01
